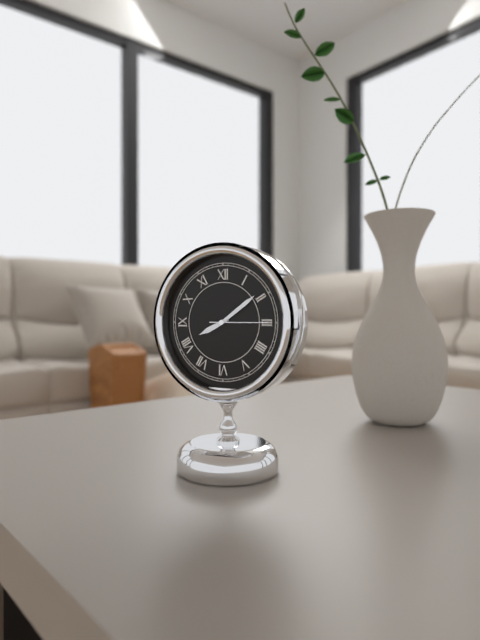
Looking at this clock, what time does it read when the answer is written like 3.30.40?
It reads 8.09.15
